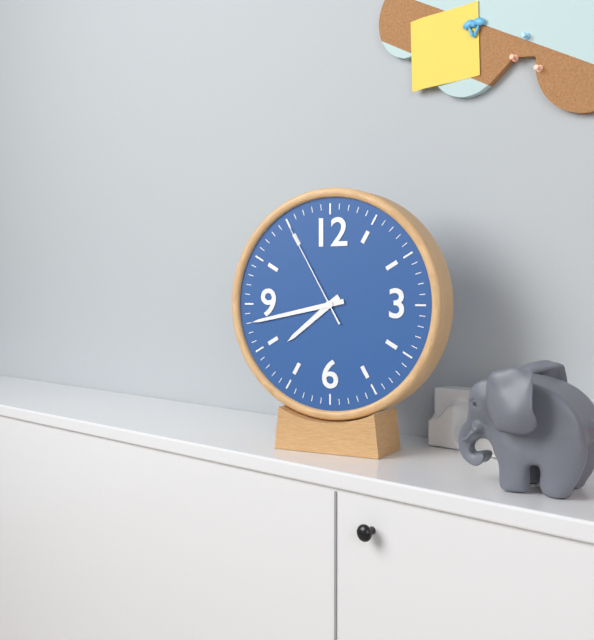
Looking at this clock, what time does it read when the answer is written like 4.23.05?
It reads 7.43.55
